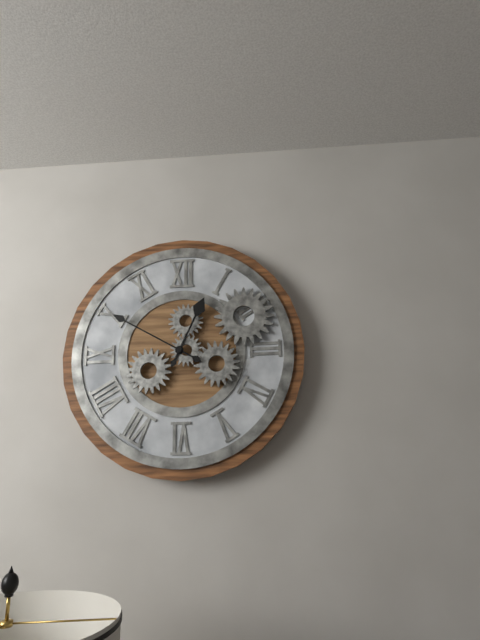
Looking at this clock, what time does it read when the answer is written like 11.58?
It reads 12.50
